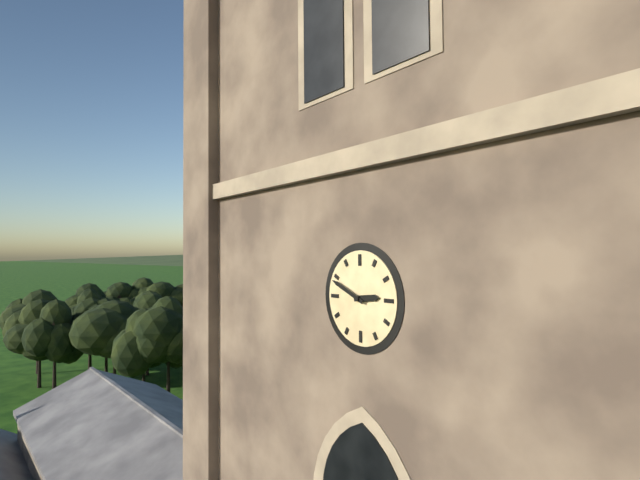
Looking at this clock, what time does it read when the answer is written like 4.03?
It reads 2.49
